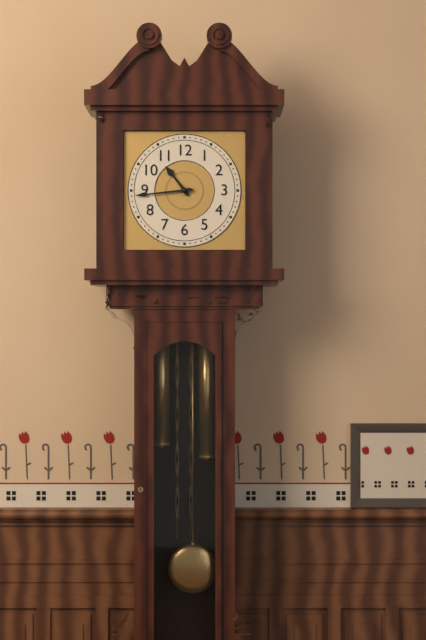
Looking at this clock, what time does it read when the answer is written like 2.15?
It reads 10.44
